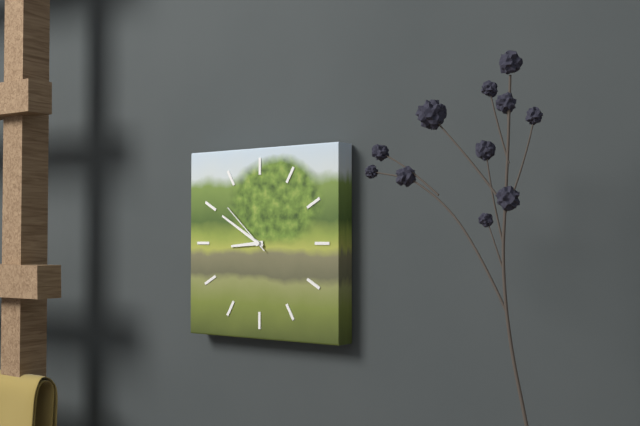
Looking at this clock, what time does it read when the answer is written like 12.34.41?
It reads 8.50.52
